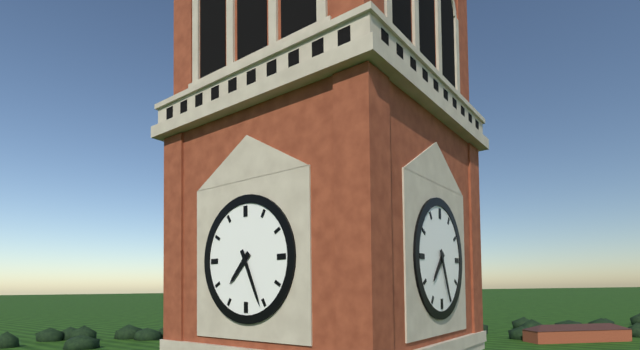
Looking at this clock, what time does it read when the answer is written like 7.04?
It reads 7.26
